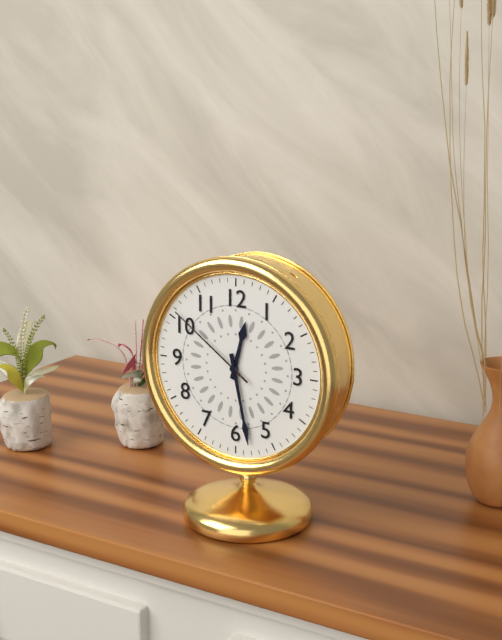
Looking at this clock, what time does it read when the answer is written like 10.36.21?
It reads 12.28.51
